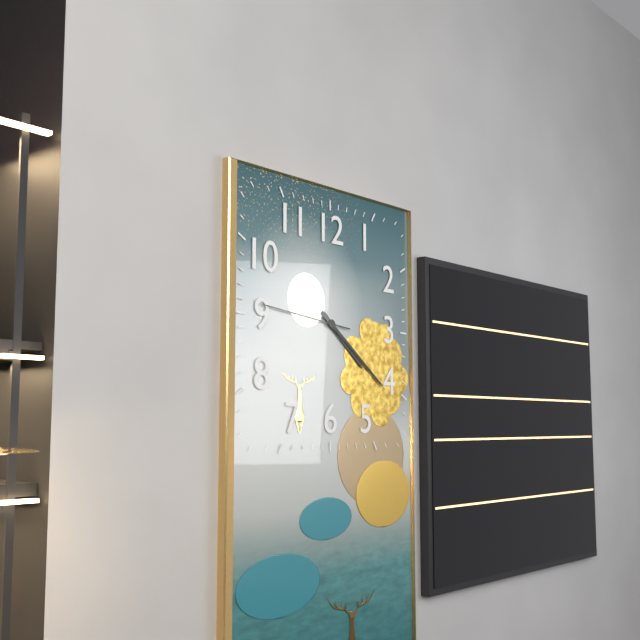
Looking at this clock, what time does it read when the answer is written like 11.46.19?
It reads 4.21.46
